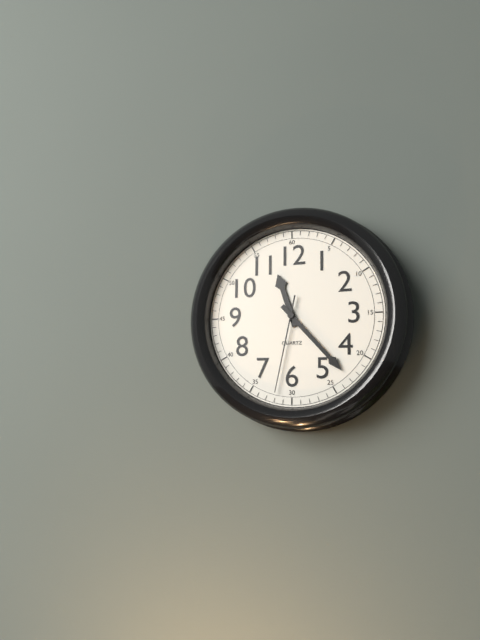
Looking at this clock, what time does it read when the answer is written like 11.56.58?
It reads 11.23.32
